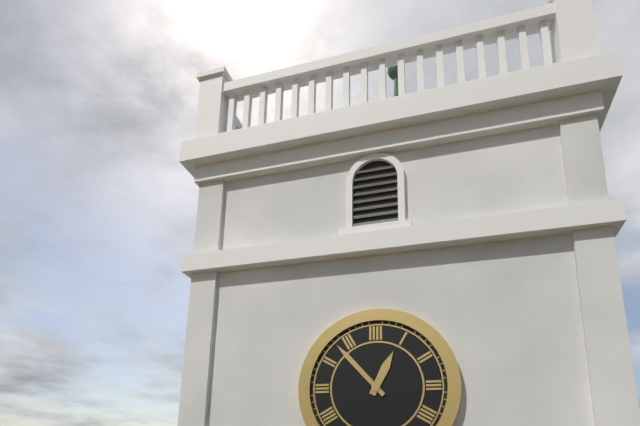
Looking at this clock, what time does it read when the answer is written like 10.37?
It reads 12.53
